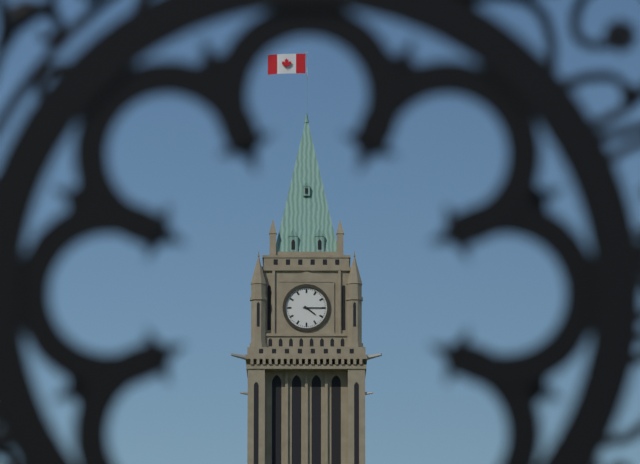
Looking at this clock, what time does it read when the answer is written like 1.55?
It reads 4.15
